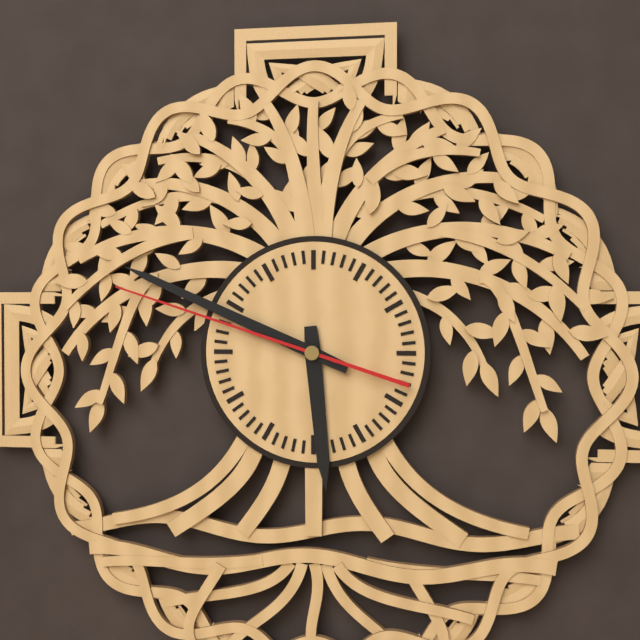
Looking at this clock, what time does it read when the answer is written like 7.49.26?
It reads 5.49.48
